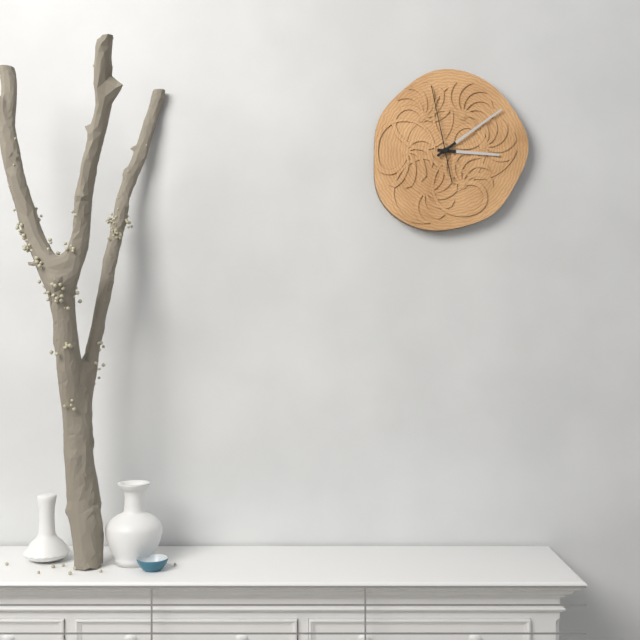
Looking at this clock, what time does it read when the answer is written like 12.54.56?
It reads 3.09.58
